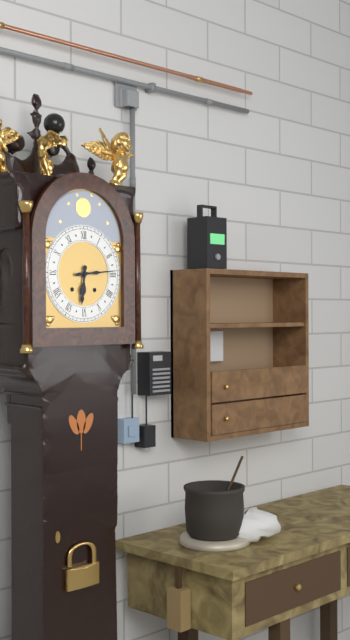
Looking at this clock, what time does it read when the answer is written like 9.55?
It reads 6.14
